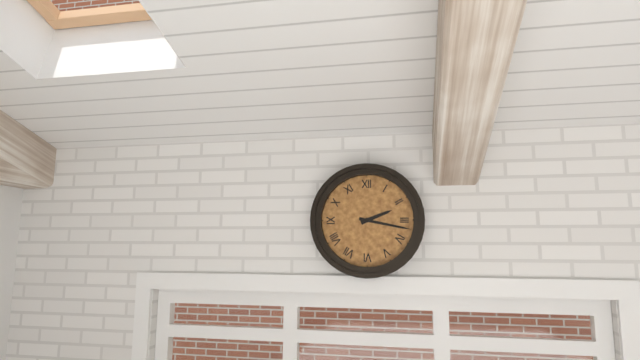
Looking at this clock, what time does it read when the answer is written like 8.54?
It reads 2.17
